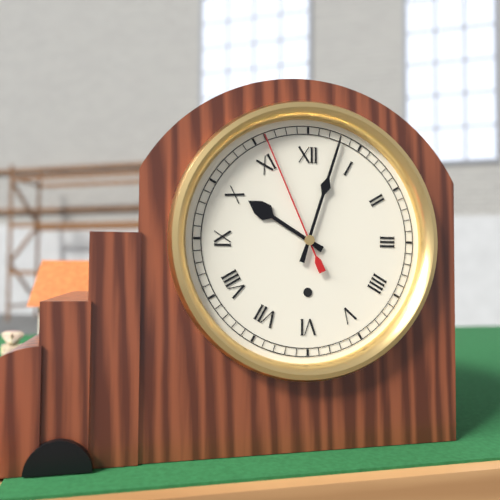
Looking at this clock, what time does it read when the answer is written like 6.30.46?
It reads 10.03.56
